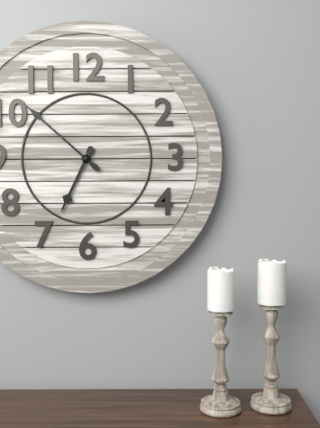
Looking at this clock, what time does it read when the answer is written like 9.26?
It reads 6.52
